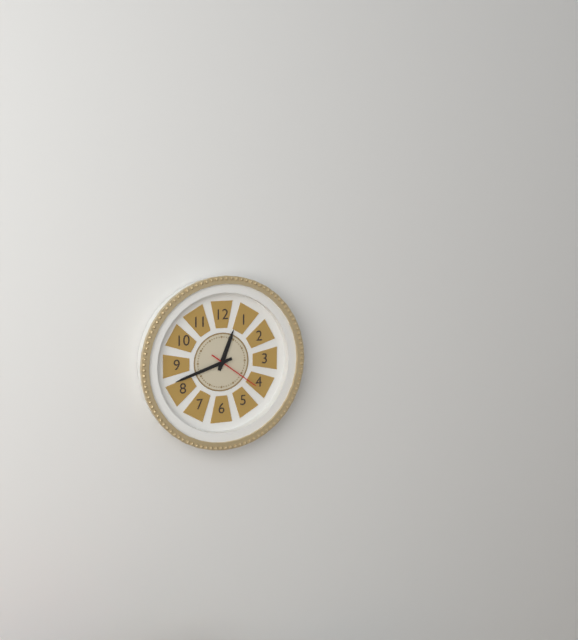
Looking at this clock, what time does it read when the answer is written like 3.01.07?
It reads 12.42.21
